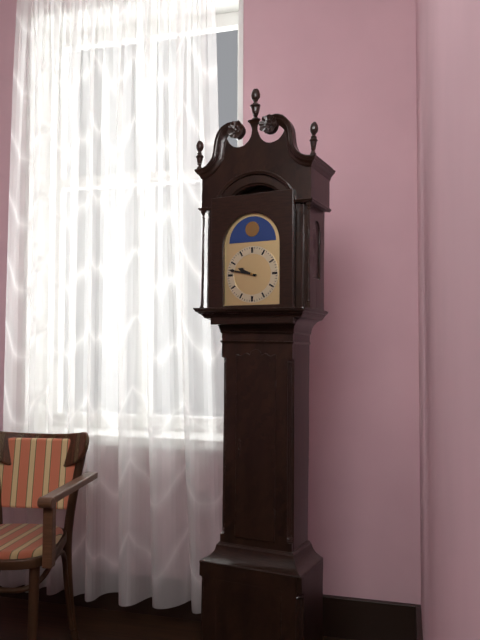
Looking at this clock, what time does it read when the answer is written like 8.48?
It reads 9.47
